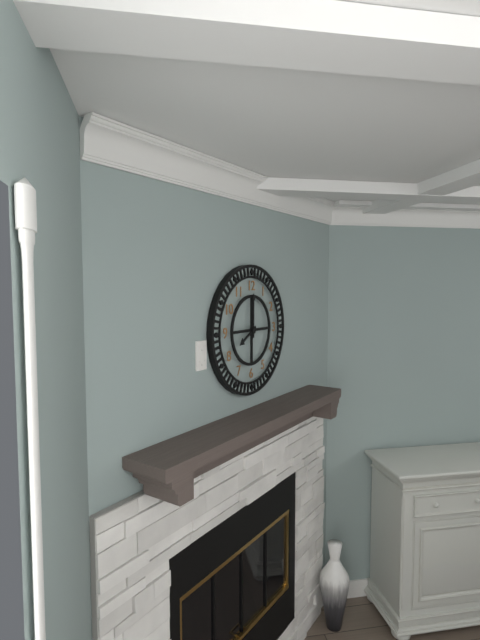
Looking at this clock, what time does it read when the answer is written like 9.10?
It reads 8.00
